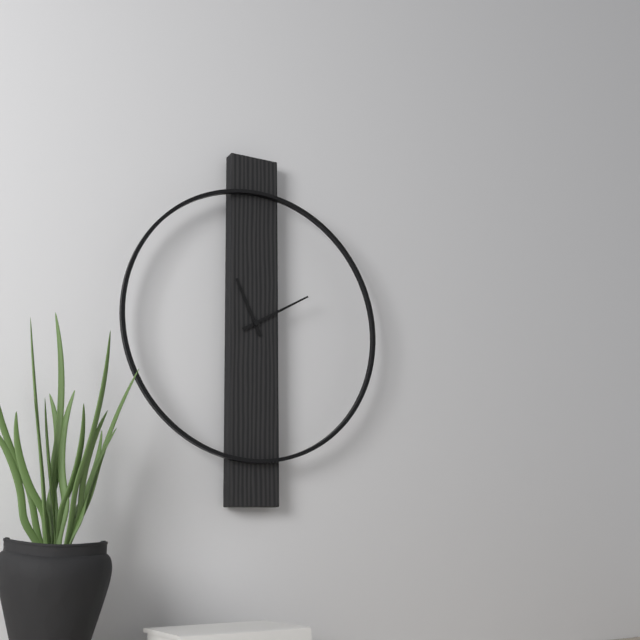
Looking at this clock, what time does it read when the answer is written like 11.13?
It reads 11.10
